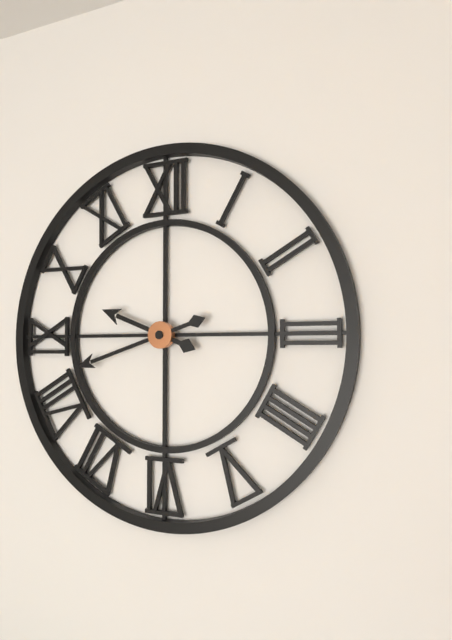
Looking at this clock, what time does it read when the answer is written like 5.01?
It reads 9.42
